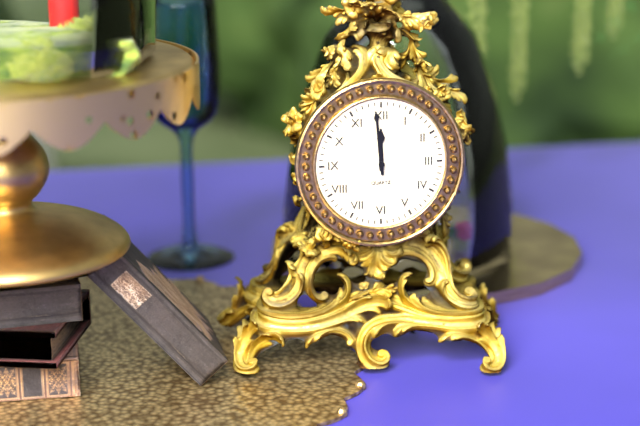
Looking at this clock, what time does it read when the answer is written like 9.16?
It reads 11.59
